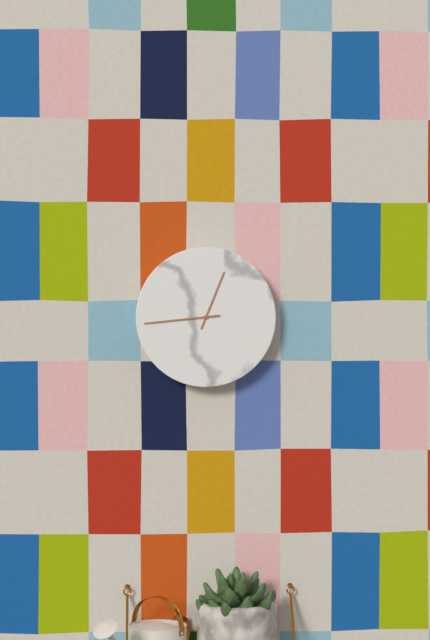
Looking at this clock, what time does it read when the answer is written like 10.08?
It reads 12.44
